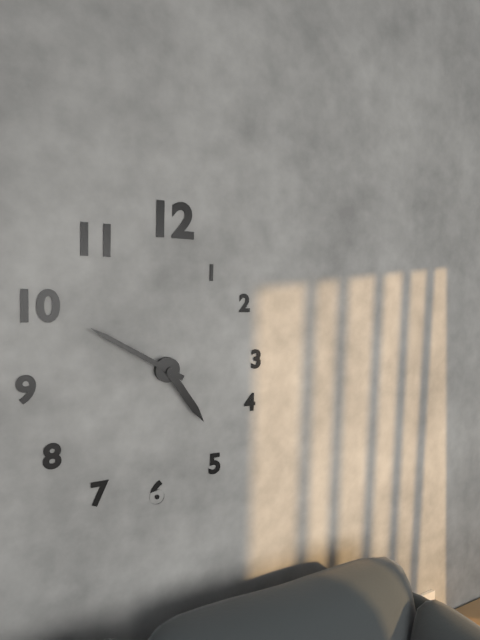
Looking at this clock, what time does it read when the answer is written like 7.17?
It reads 4.50
